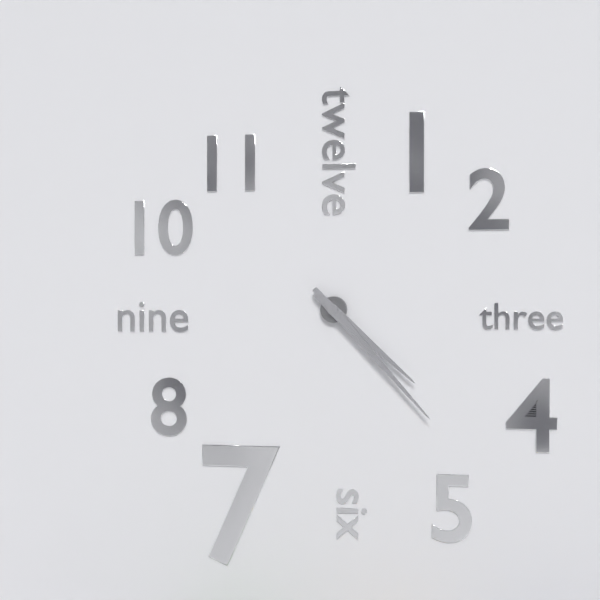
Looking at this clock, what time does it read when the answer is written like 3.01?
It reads 4.23
